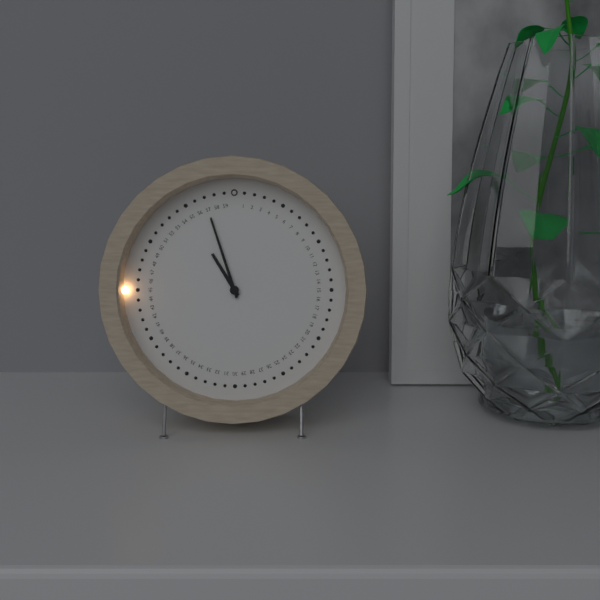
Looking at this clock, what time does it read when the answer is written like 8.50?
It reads 10.57
